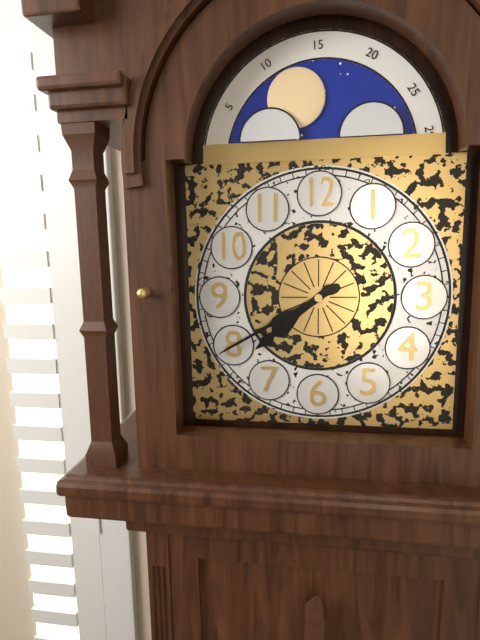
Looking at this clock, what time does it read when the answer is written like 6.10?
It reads 7.40
